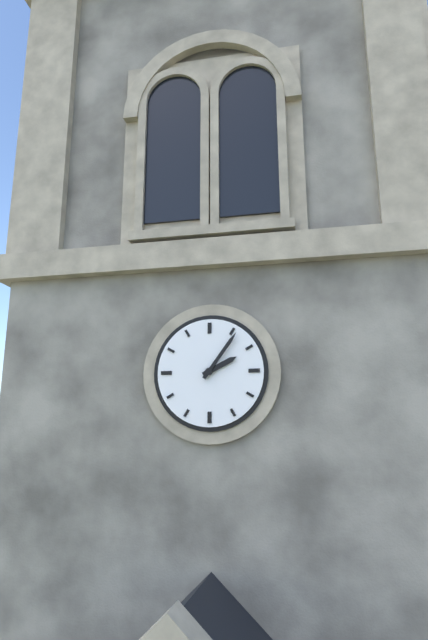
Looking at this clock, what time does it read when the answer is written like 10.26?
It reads 2.06
